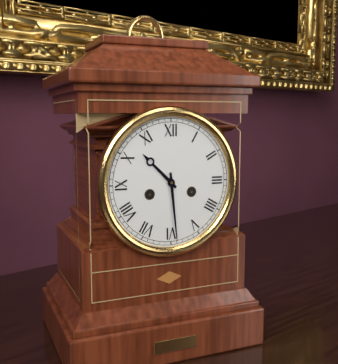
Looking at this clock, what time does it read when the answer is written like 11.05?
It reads 10.29
